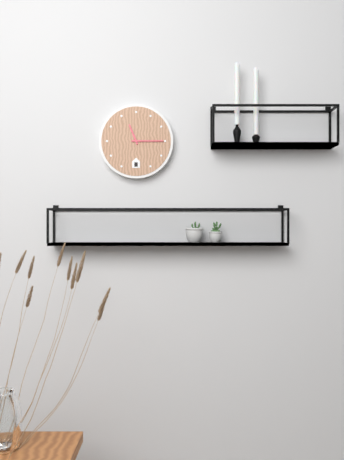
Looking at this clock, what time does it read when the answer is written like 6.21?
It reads 11.15
